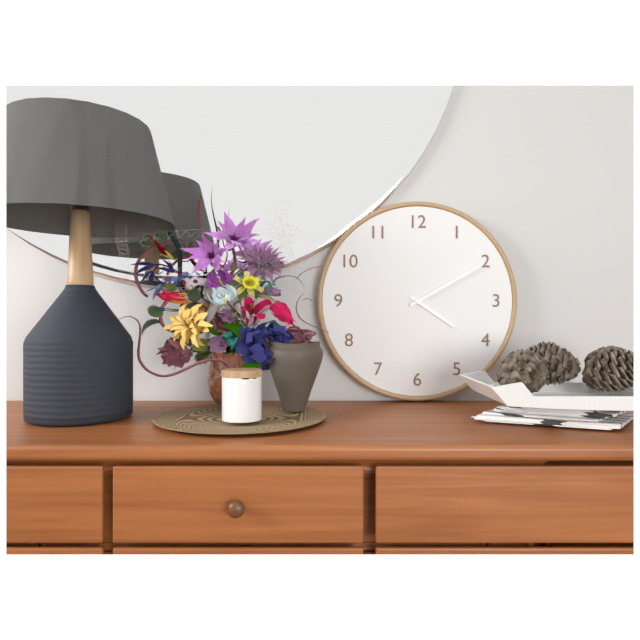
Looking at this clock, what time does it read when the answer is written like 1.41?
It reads 4.10
